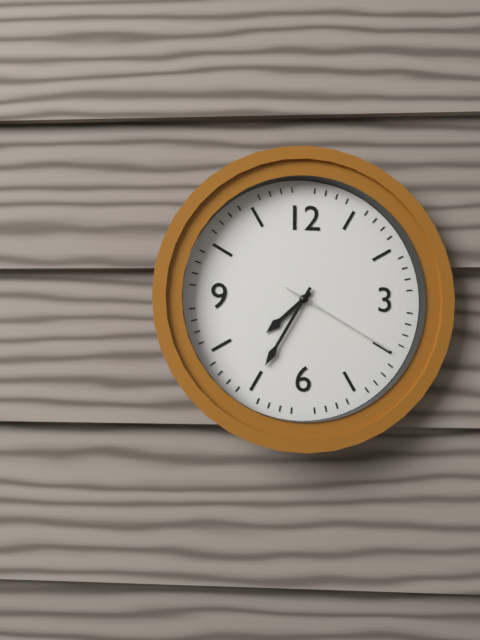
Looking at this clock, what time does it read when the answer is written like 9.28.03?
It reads 7.35.20
